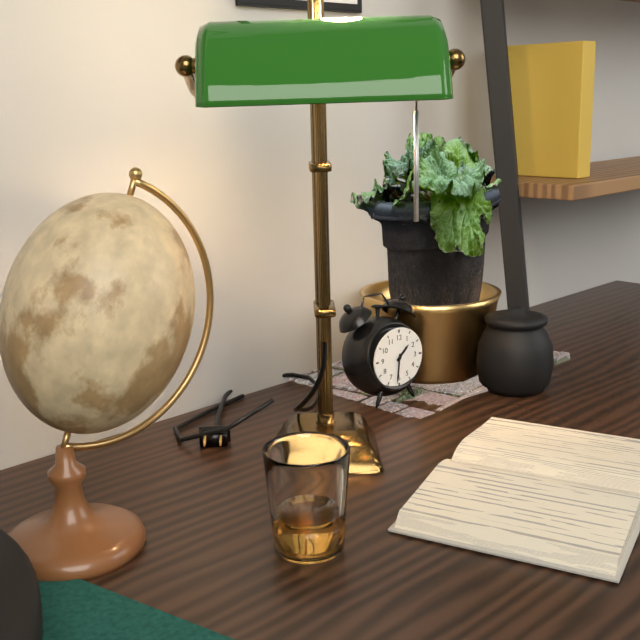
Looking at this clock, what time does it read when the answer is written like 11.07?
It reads 1.31
